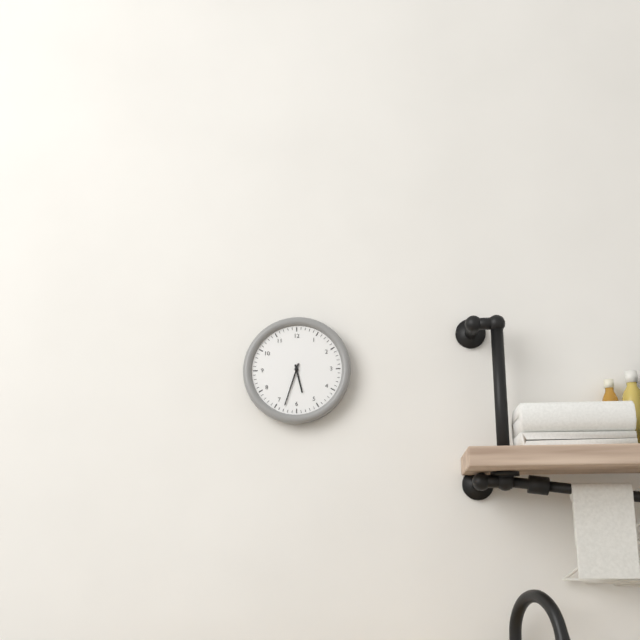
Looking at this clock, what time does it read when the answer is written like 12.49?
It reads 5.33
